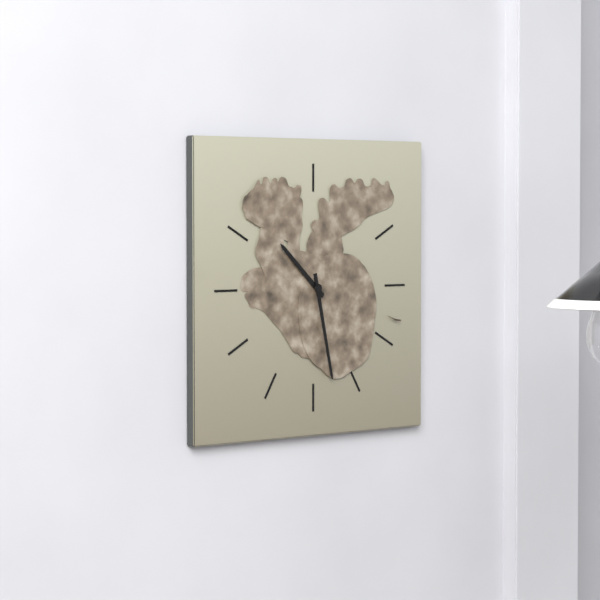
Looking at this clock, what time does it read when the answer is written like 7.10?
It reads 10.28
